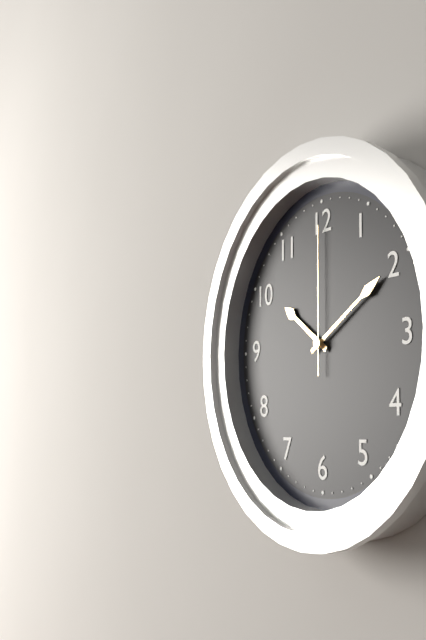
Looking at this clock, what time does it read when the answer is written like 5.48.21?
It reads 10.10.00
